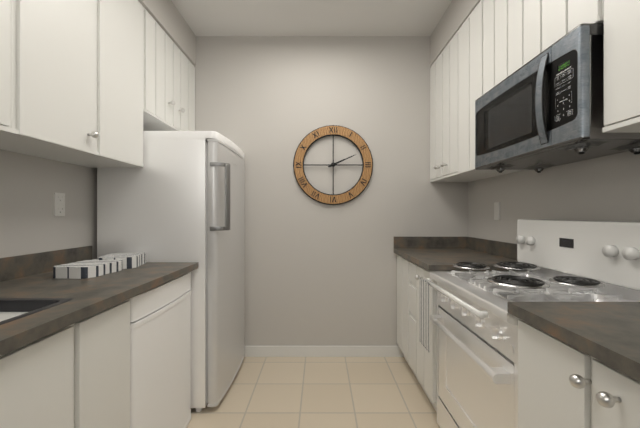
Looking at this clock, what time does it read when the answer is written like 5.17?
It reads 2.11
